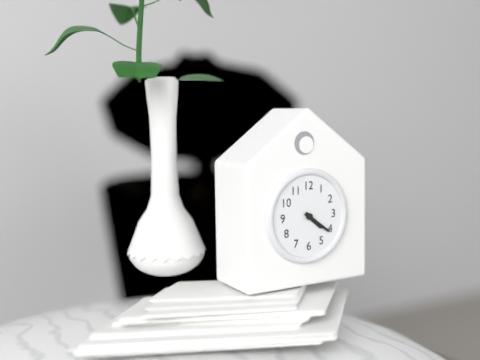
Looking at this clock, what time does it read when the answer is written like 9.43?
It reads 4.21
